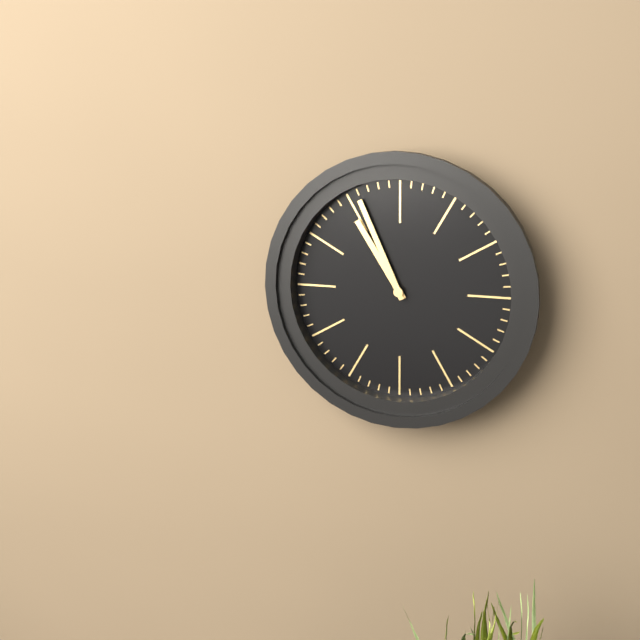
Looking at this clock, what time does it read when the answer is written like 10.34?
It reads 10.56
